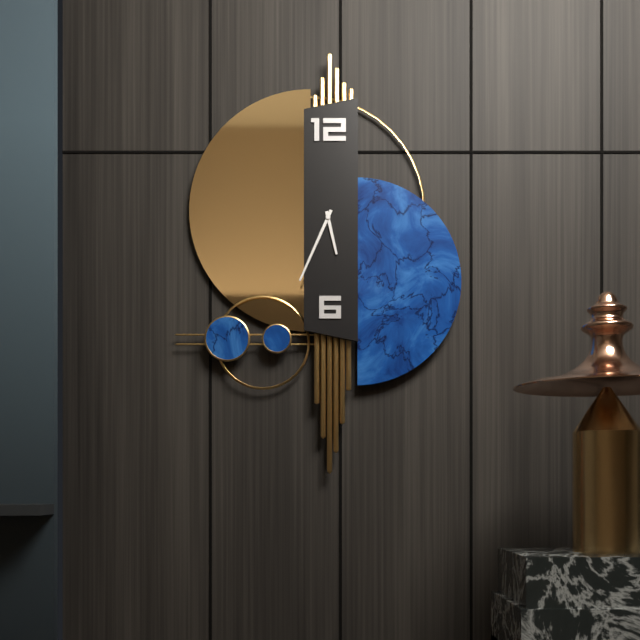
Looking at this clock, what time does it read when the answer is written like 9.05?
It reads 5.34
